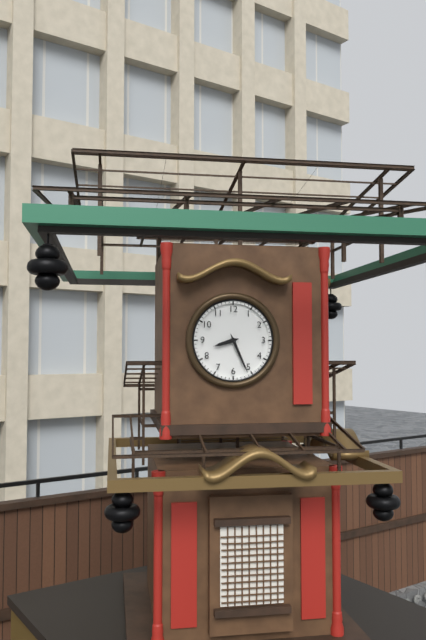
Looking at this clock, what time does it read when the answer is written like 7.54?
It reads 8.26
